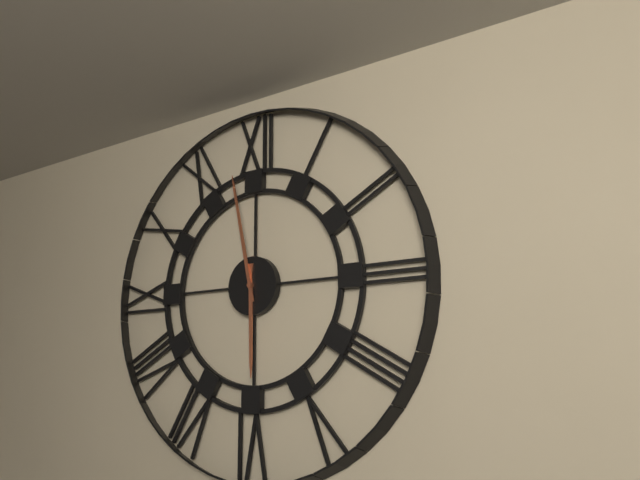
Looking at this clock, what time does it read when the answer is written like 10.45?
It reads 5.58
